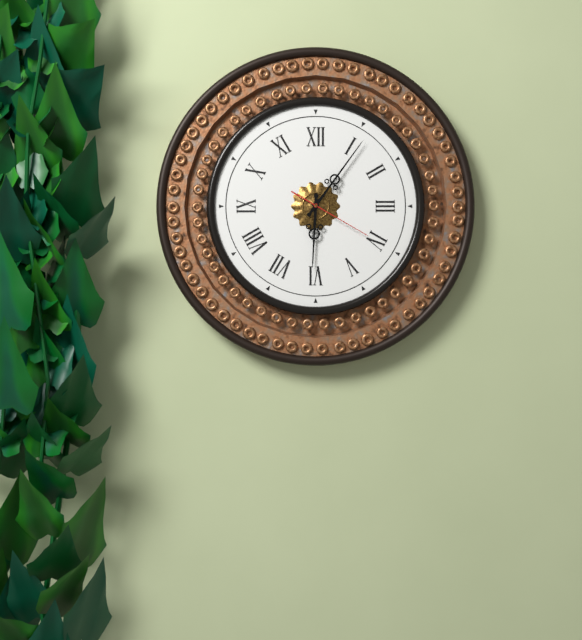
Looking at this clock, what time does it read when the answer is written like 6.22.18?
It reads 6.06.20
